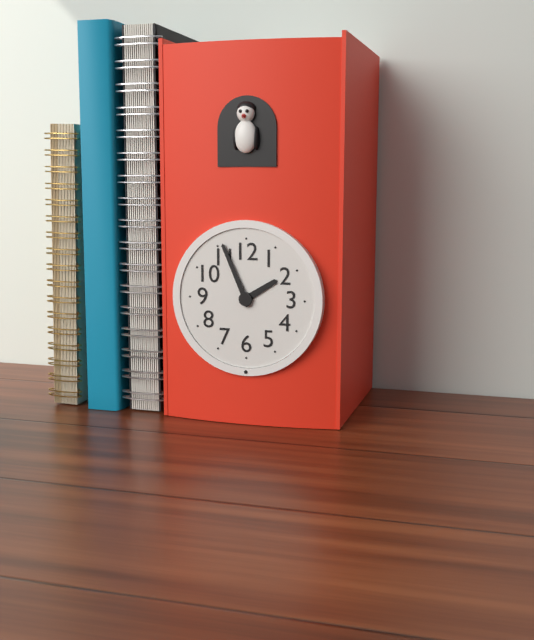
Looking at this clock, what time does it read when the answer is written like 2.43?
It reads 1.56
